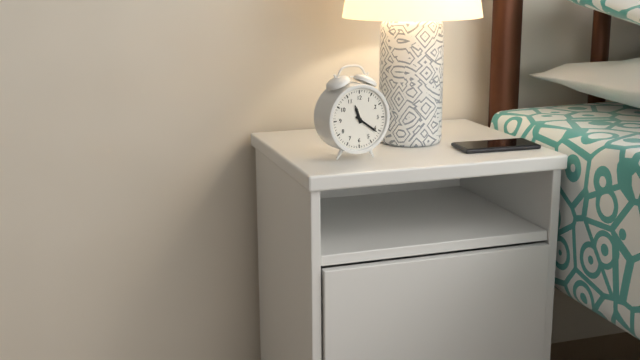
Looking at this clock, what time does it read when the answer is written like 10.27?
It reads 11.21
